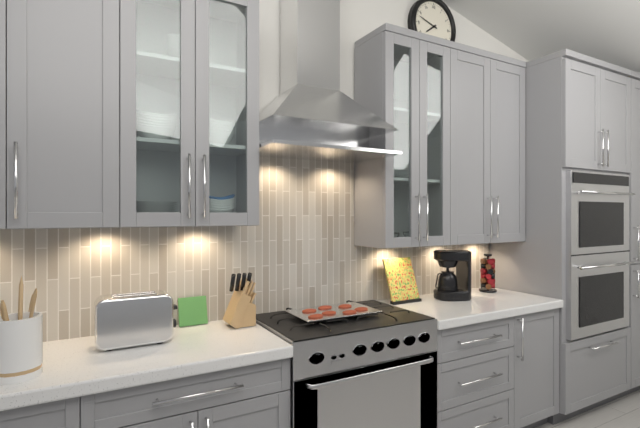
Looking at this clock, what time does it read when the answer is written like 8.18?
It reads 7.48
